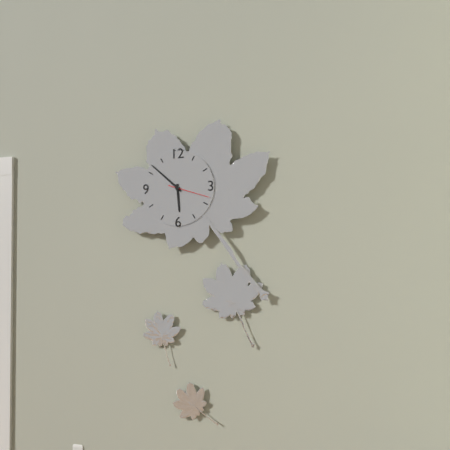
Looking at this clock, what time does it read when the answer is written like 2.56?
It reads 5.52
